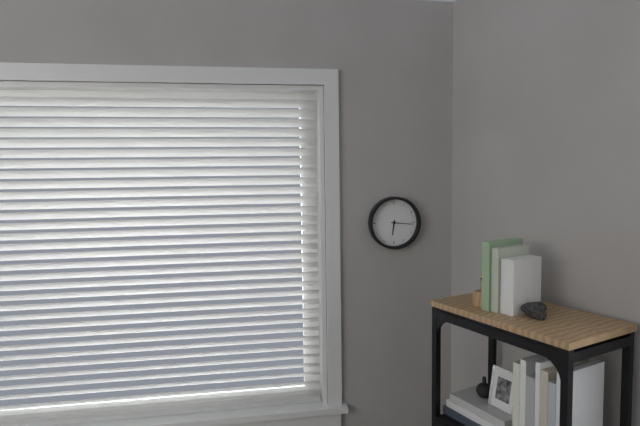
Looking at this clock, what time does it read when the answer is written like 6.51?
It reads 6.16
